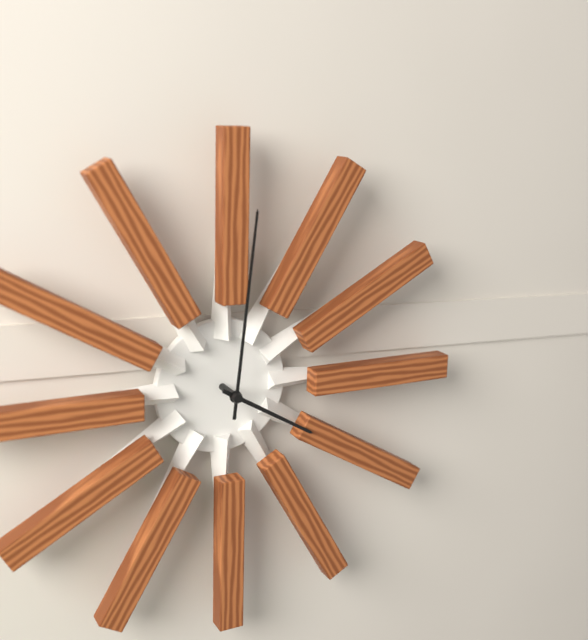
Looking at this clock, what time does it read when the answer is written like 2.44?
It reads 4.01
